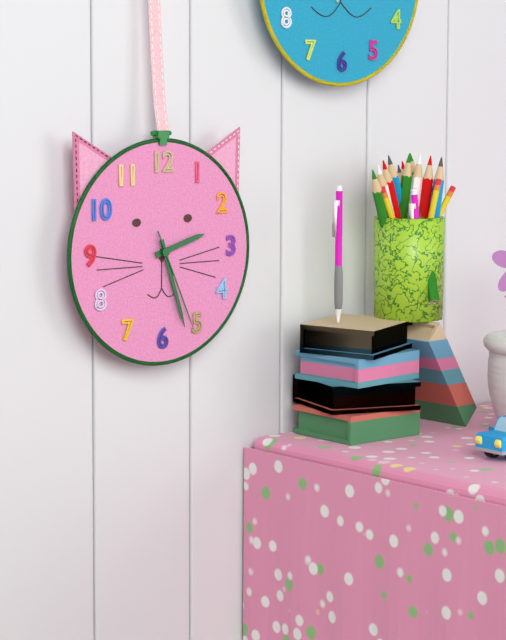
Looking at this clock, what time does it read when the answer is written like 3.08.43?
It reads 2.27.26
